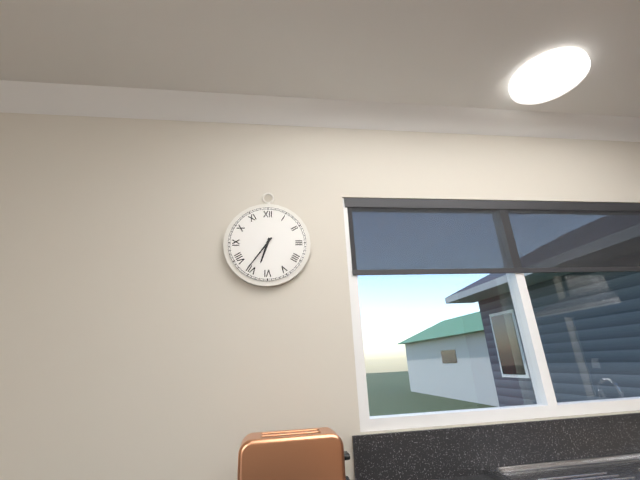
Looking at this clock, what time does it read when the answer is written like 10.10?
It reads 6.36
